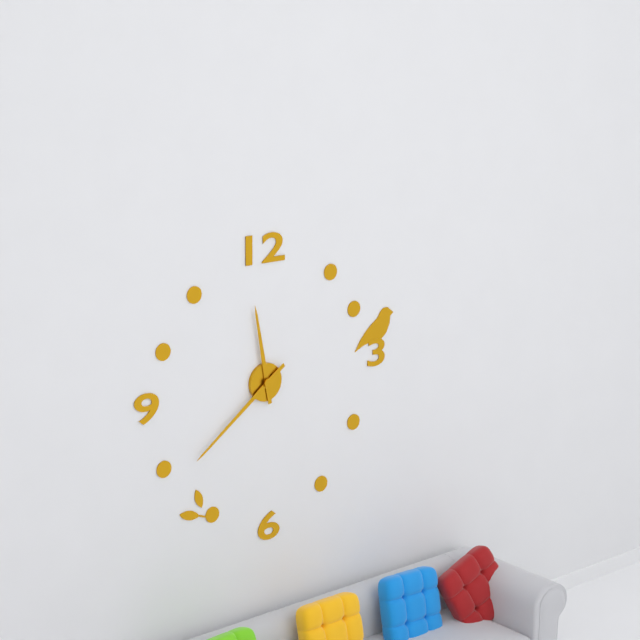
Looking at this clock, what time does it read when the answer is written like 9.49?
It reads 11.39
